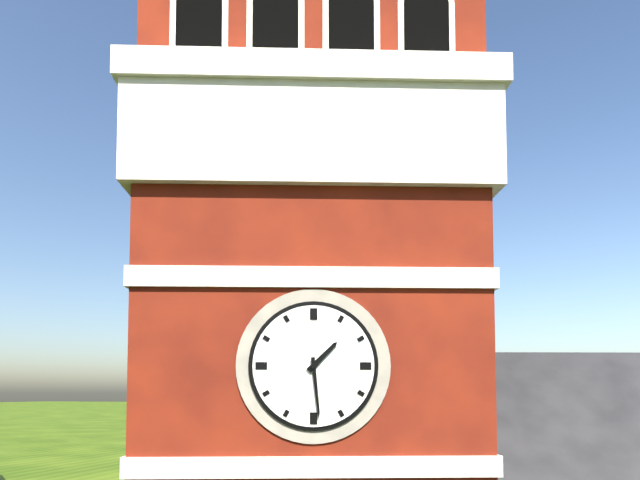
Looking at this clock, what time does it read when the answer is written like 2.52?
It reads 1.29
